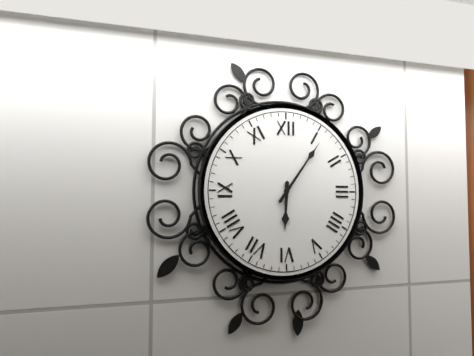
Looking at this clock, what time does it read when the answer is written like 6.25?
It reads 6.06
